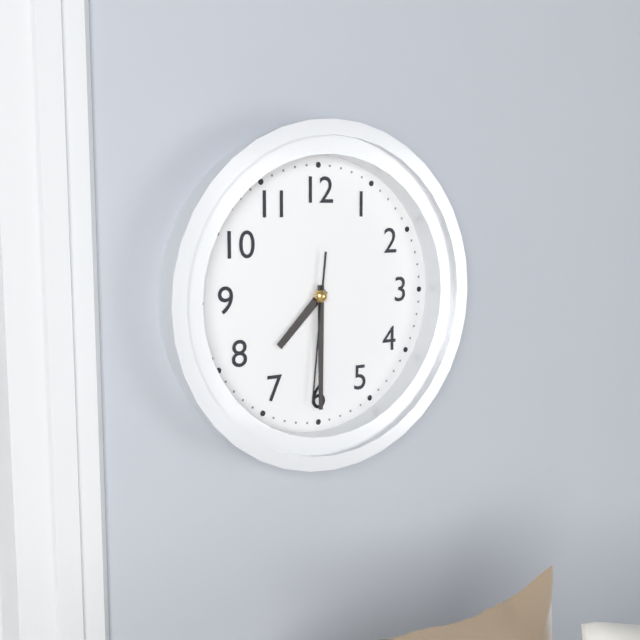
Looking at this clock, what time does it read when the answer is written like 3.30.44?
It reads 7.30.31
